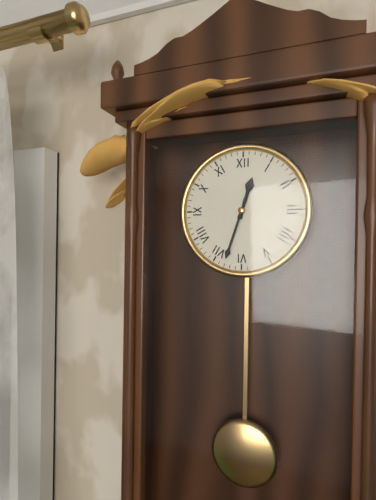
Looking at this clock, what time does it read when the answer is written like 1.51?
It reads 12.33
